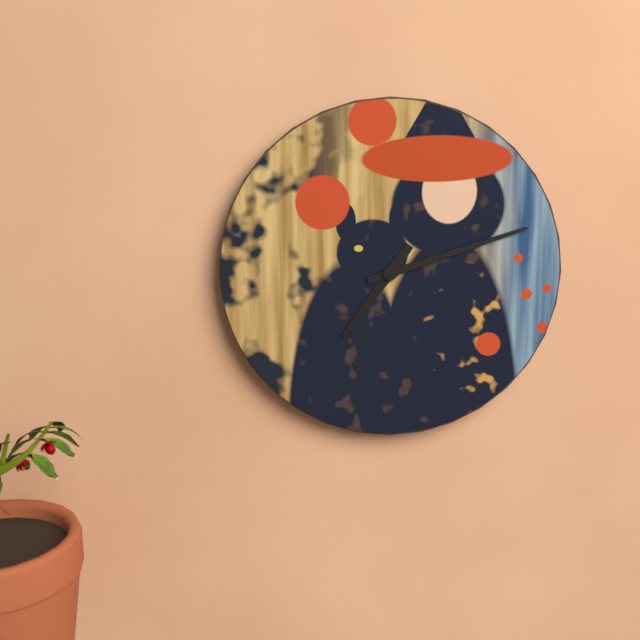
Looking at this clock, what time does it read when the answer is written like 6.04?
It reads 7.12
